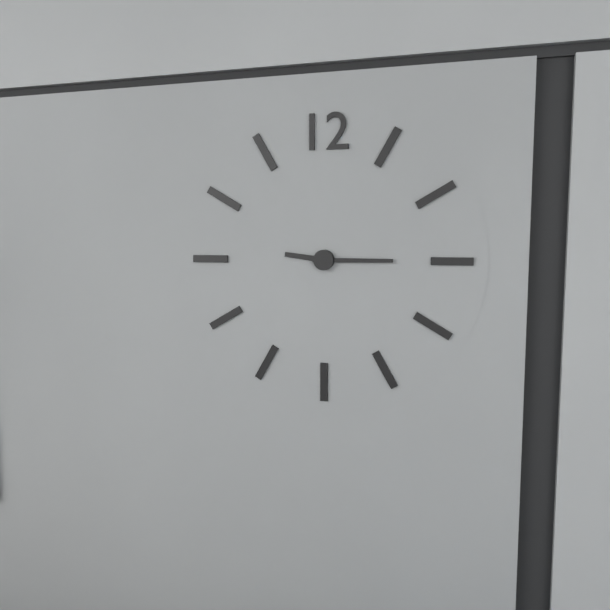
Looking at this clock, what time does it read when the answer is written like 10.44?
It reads 9.15
